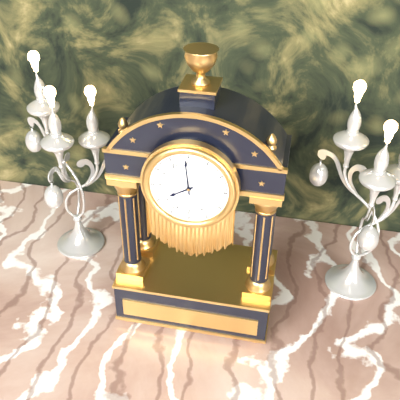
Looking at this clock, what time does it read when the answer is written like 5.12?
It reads 7.59
